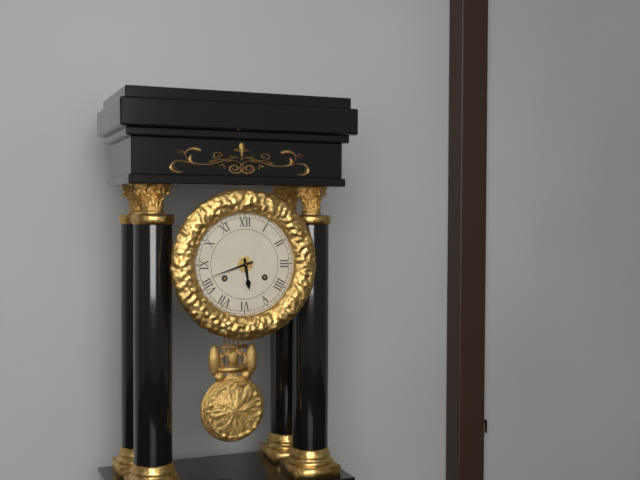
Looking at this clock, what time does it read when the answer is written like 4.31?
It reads 5.42
